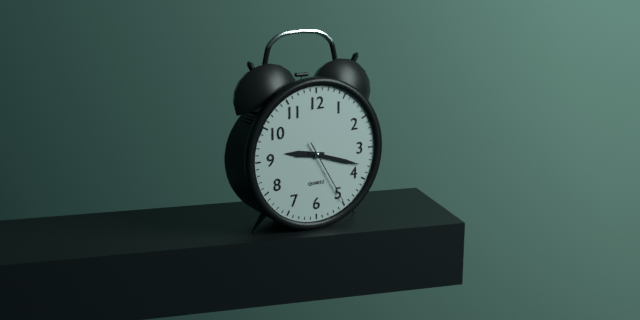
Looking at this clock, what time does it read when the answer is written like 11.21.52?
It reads 9.18.25
